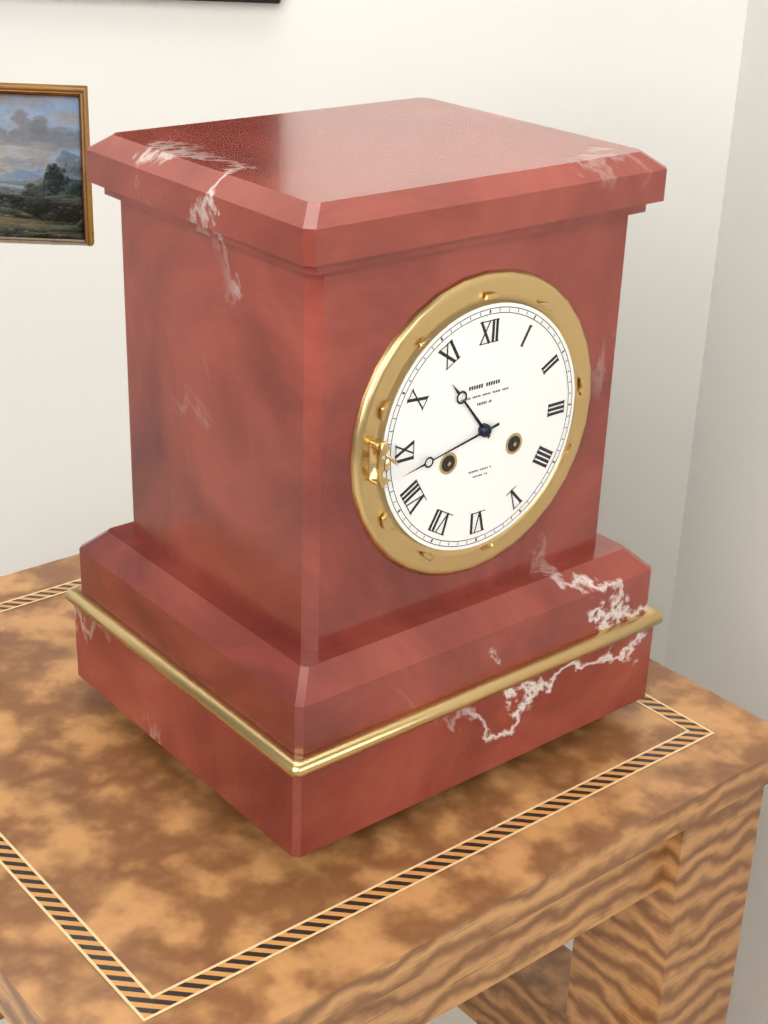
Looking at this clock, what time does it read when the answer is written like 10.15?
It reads 10.43
